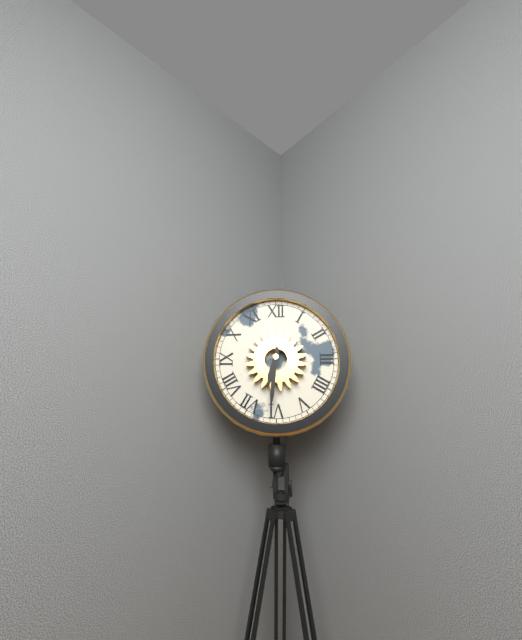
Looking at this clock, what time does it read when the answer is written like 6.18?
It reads 6.31
